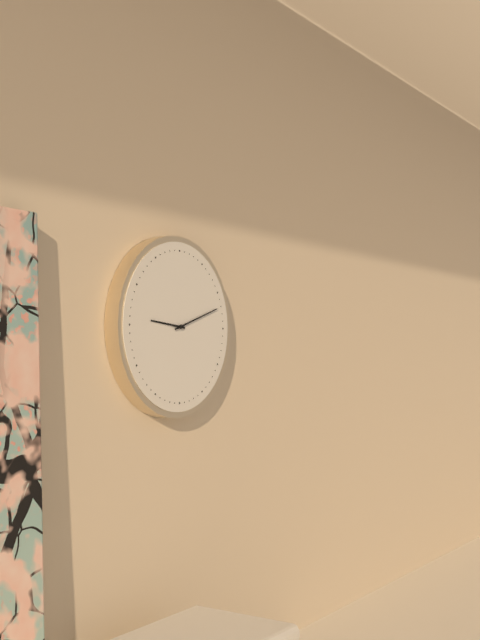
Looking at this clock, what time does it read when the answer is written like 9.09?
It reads 9.12
